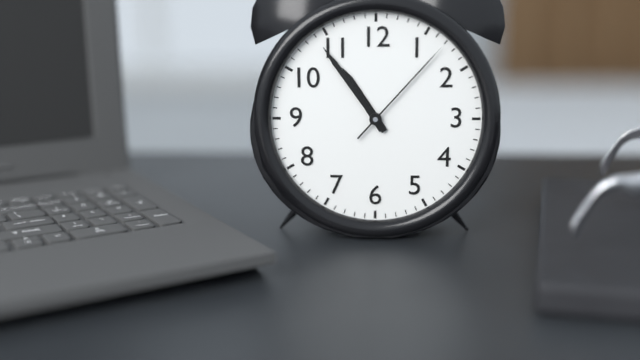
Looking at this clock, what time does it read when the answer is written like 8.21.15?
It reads 10.54.07
